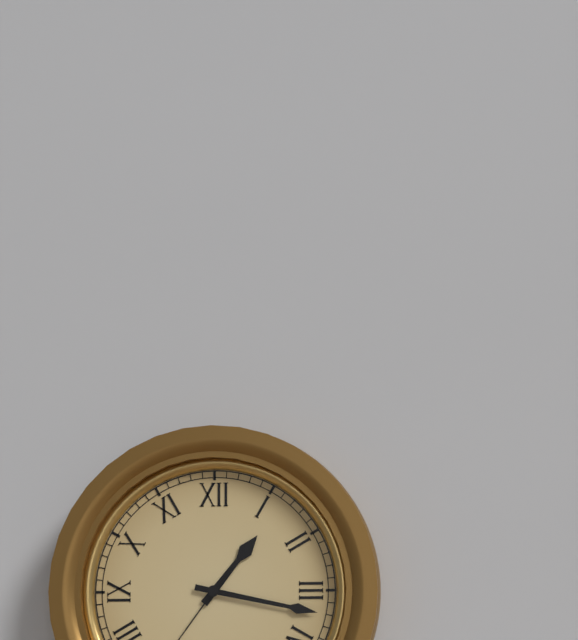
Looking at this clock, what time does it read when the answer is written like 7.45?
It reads 1.17
